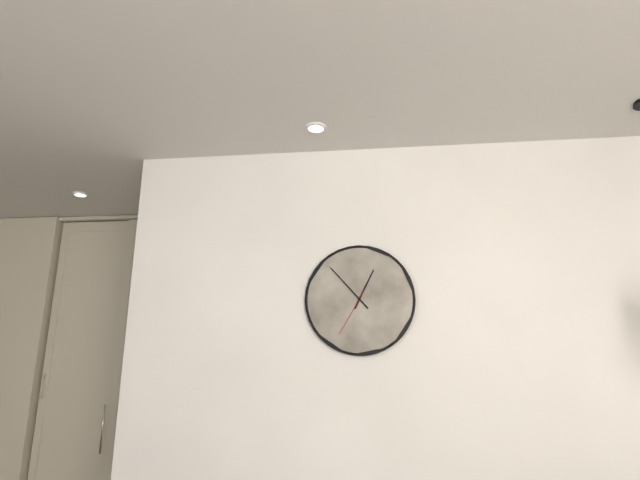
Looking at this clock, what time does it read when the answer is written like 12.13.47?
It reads 12.53.35
